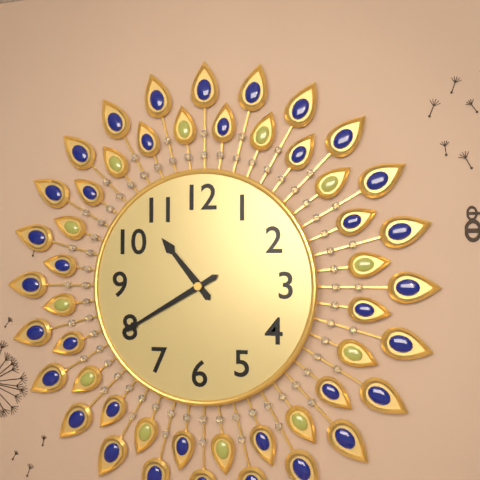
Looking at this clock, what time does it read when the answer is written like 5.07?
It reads 10.40
